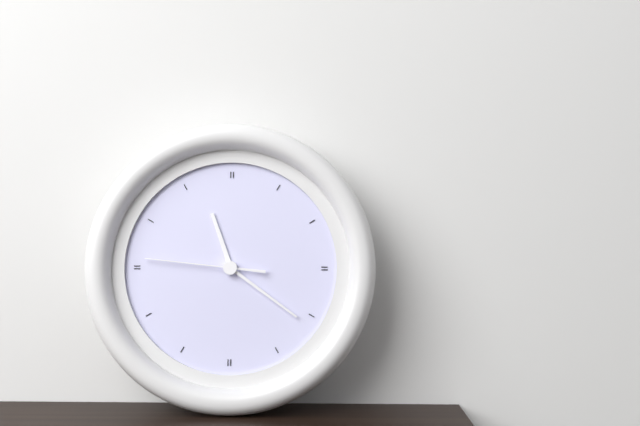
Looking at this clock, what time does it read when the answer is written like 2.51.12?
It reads 11.21.46
